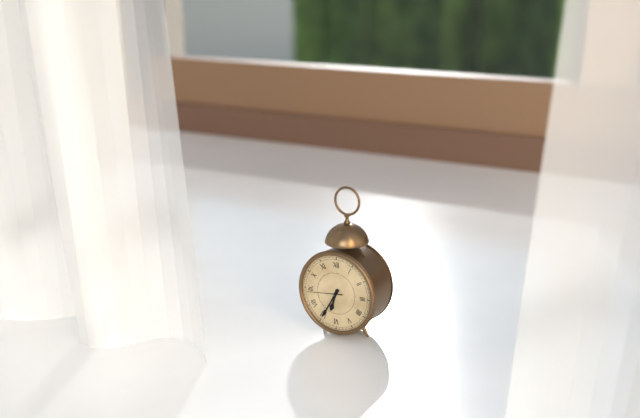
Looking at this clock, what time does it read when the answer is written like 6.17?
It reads 6.35
